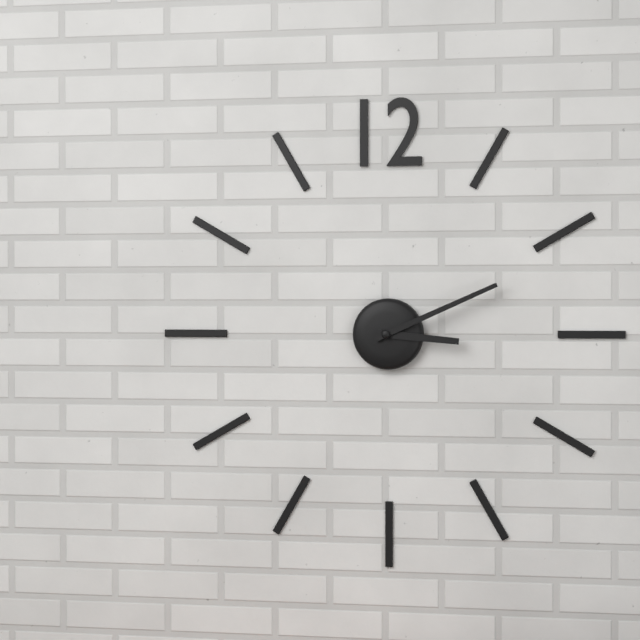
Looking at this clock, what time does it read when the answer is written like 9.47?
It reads 3.11
